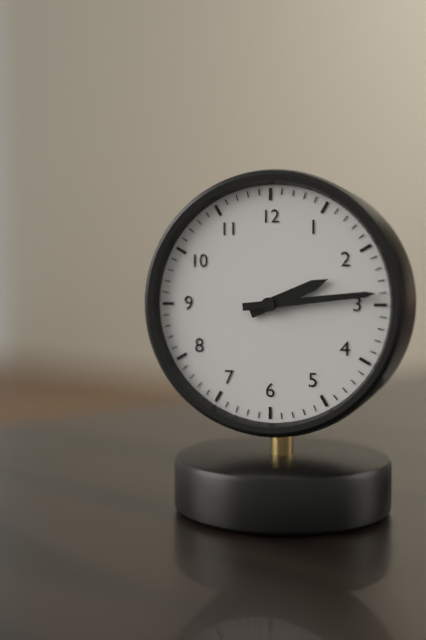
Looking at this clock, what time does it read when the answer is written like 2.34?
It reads 2.14
